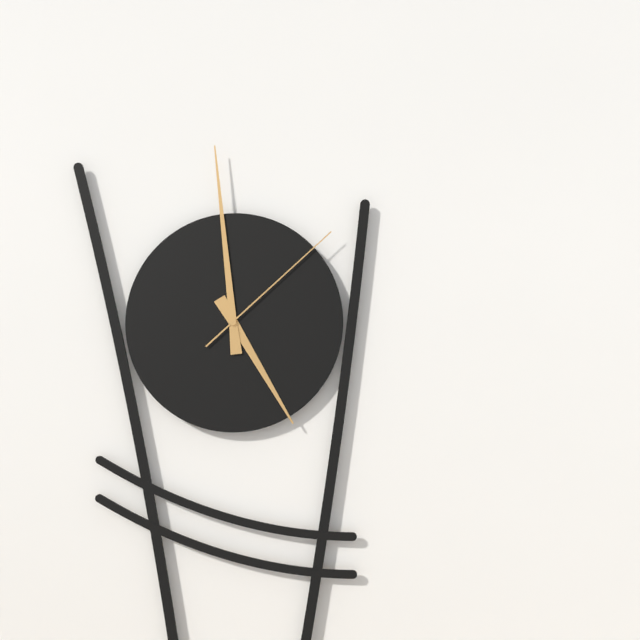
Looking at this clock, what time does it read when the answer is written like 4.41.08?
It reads 4.59.08
